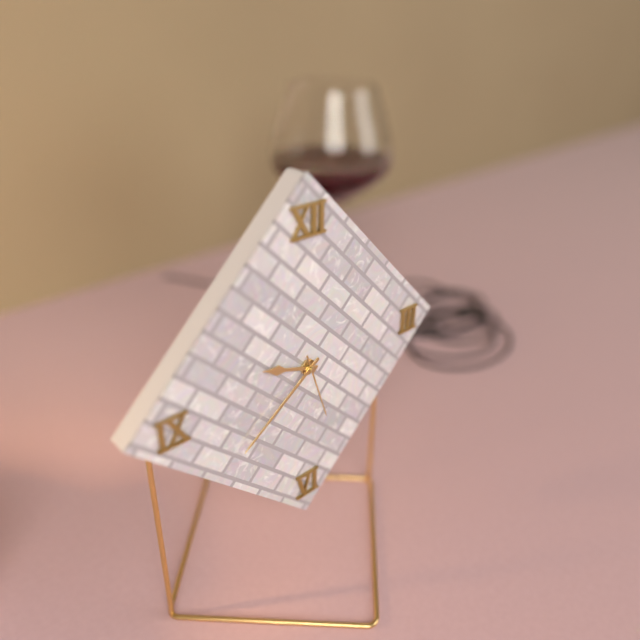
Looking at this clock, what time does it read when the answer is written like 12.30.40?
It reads 9.39.27
